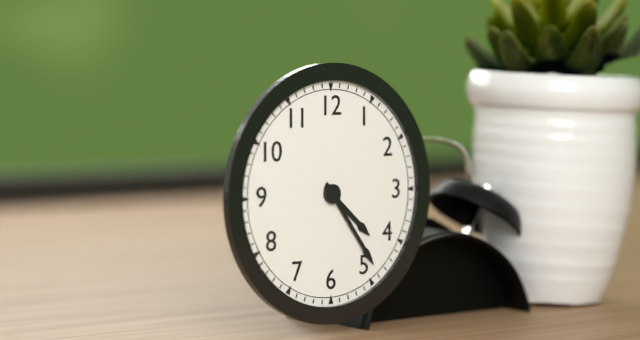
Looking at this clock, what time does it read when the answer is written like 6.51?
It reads 4.24
